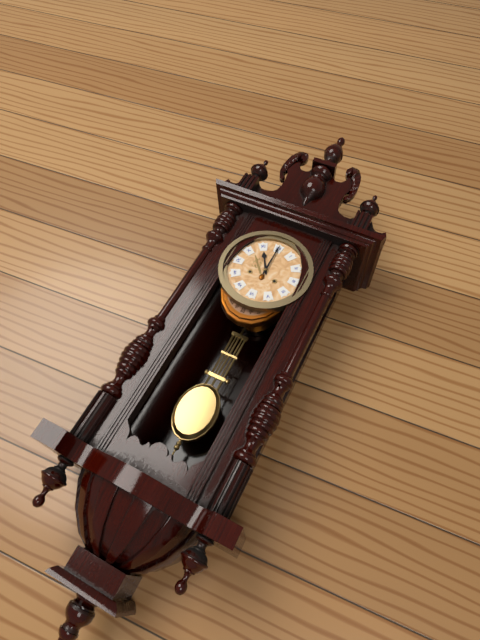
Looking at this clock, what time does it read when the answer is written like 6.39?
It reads 11.00
